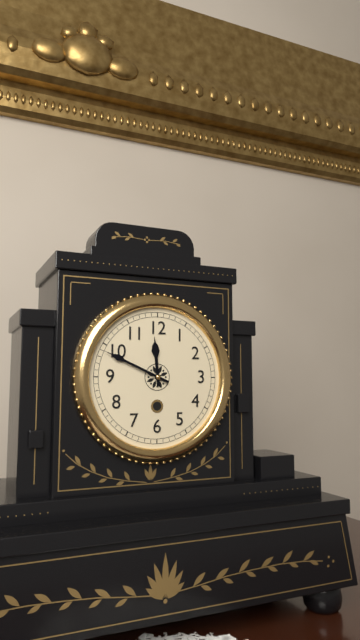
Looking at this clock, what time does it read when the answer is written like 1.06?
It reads 11.49
